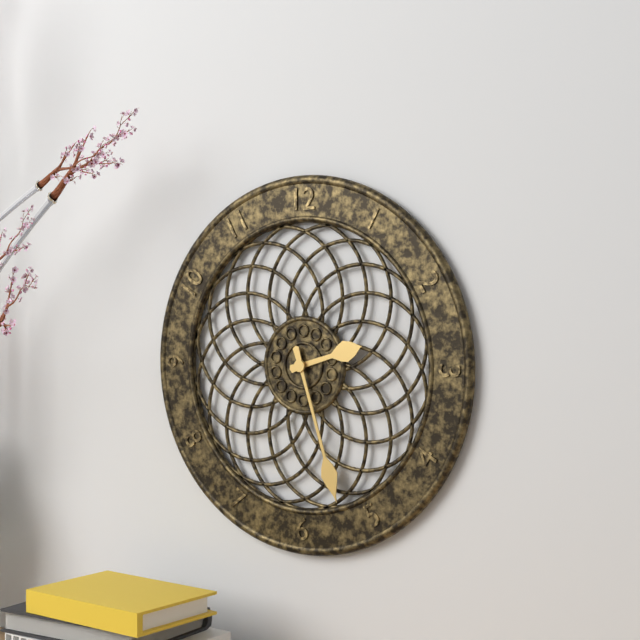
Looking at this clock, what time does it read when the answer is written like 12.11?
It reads 2.27
